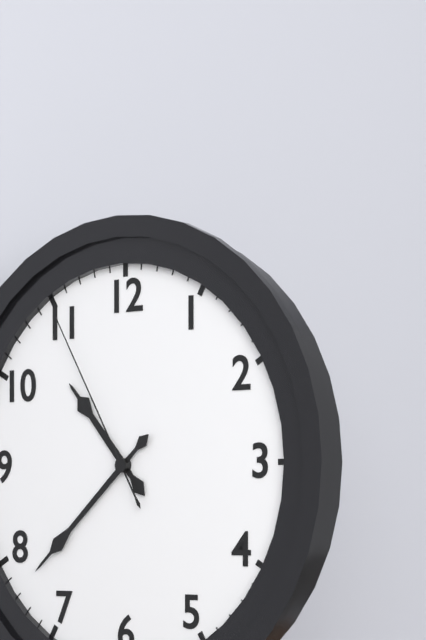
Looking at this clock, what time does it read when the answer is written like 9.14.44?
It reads 10.38.55
